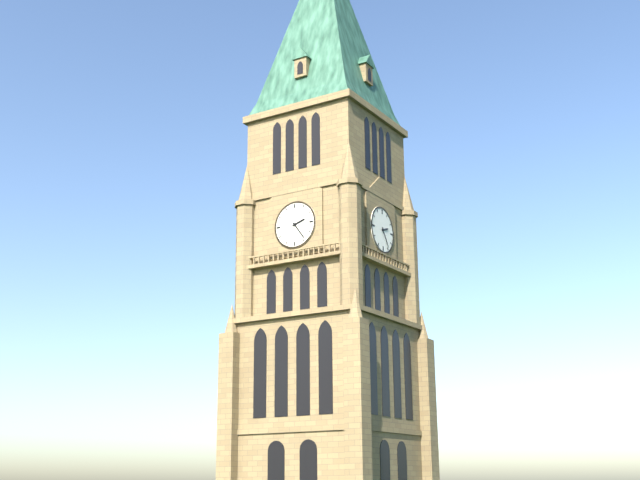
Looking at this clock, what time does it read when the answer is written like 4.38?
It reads 2.24
